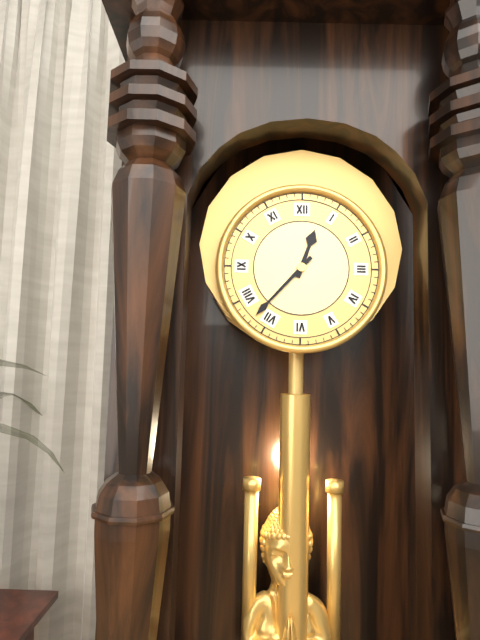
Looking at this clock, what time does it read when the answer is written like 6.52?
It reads 12.37
